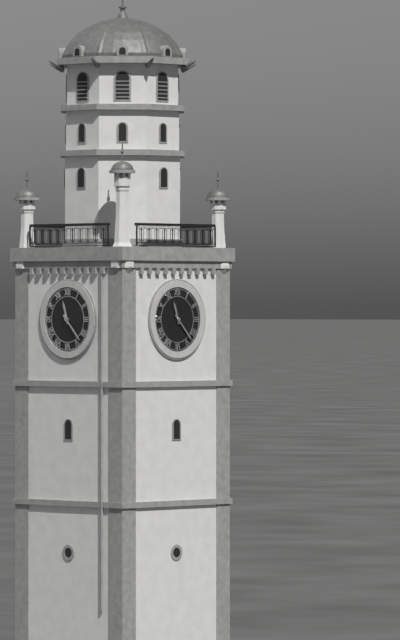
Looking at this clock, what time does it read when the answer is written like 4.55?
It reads 11.23
